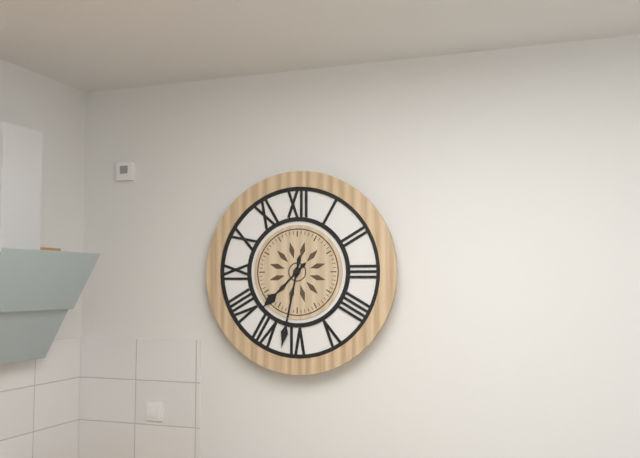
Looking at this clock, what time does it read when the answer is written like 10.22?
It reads 7.32
